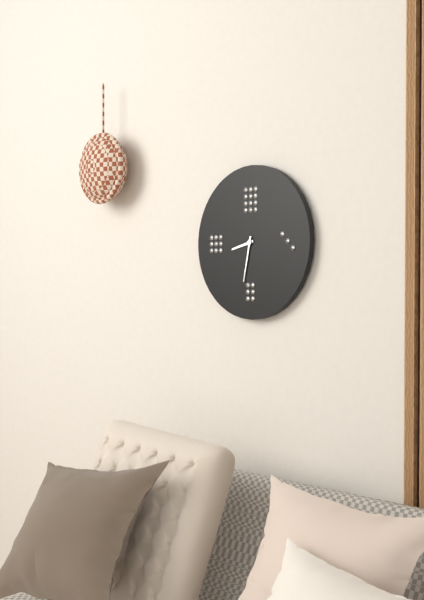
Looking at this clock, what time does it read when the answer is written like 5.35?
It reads 8.32
